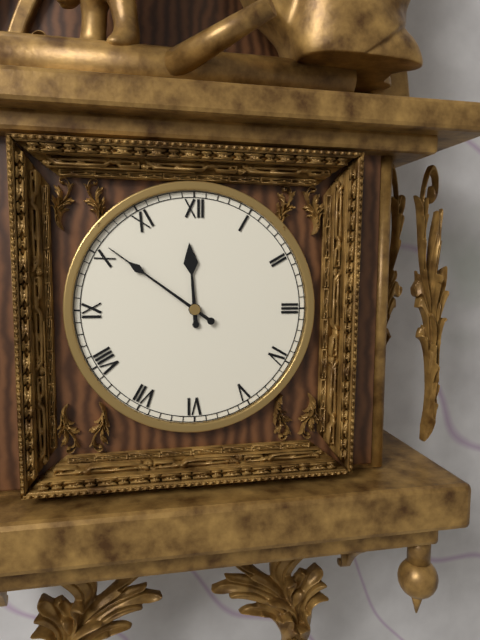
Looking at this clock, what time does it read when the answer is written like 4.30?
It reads 11.51
